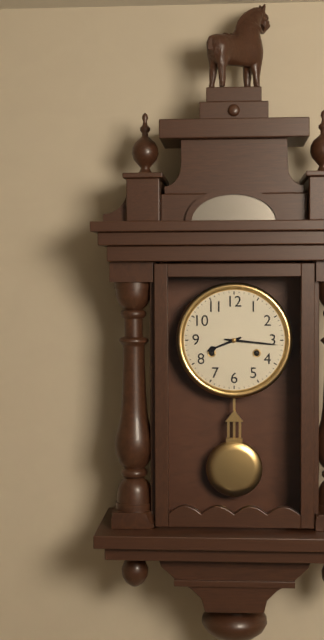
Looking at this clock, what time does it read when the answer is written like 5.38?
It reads 8.16
